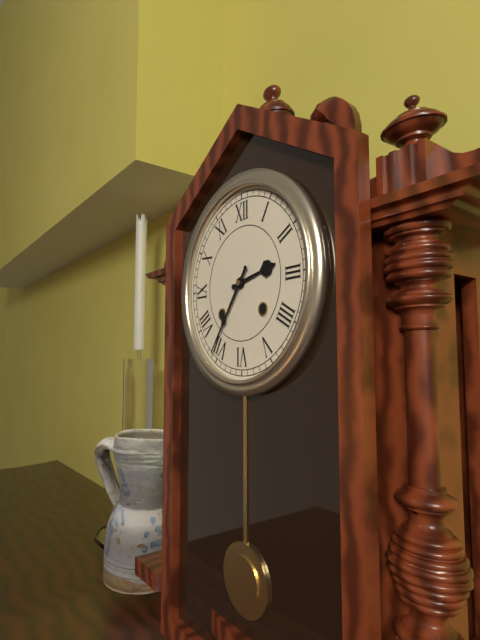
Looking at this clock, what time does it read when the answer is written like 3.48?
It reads 2.36
